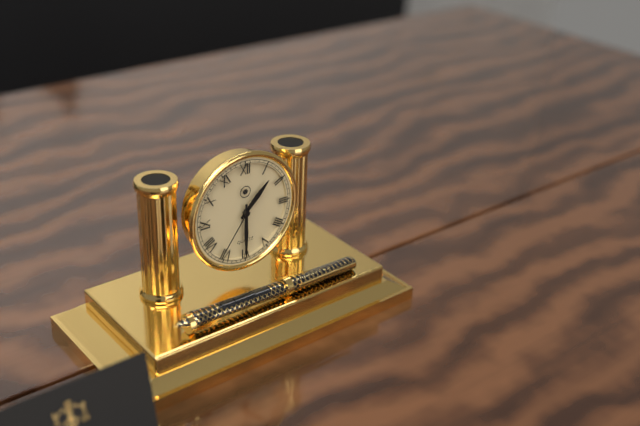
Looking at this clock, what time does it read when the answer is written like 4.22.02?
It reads 1.30.36
